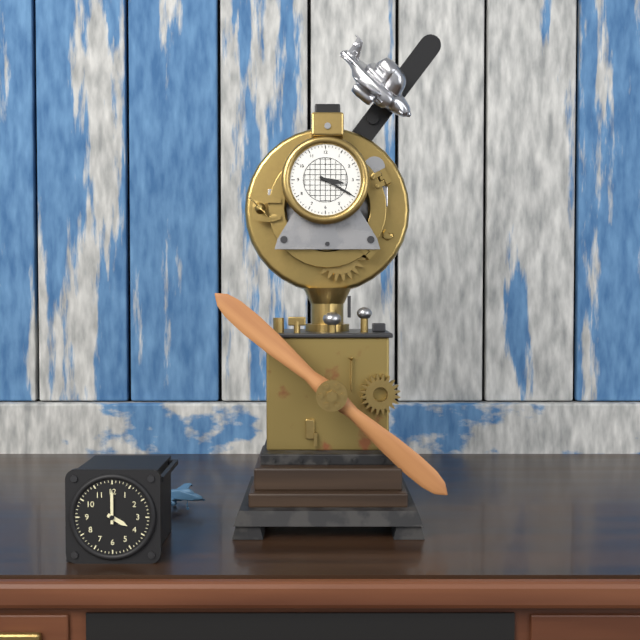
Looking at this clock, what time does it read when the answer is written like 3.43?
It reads 3.20
